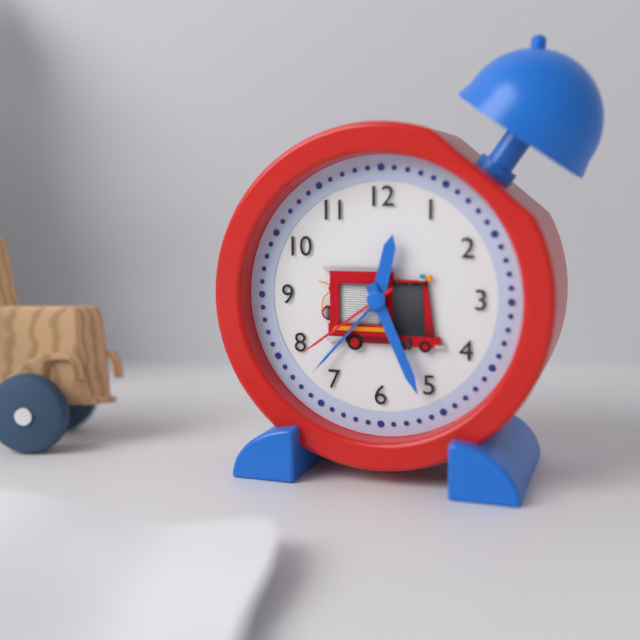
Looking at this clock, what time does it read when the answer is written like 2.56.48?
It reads 12.26.39
